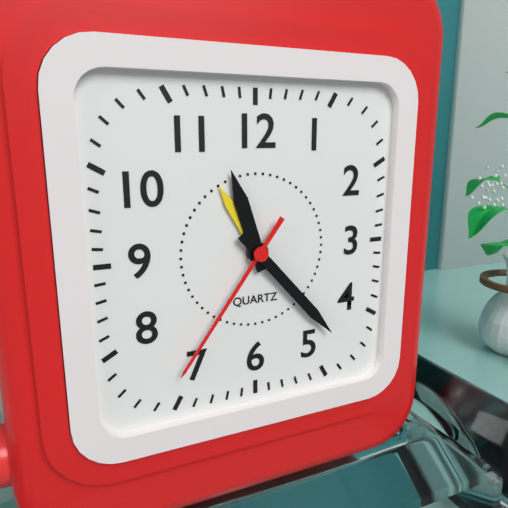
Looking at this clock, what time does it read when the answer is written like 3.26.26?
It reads 11.23.36
